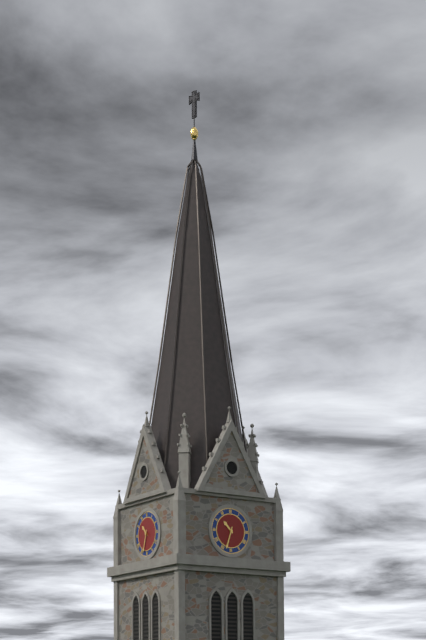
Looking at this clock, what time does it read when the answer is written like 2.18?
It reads 10.33
